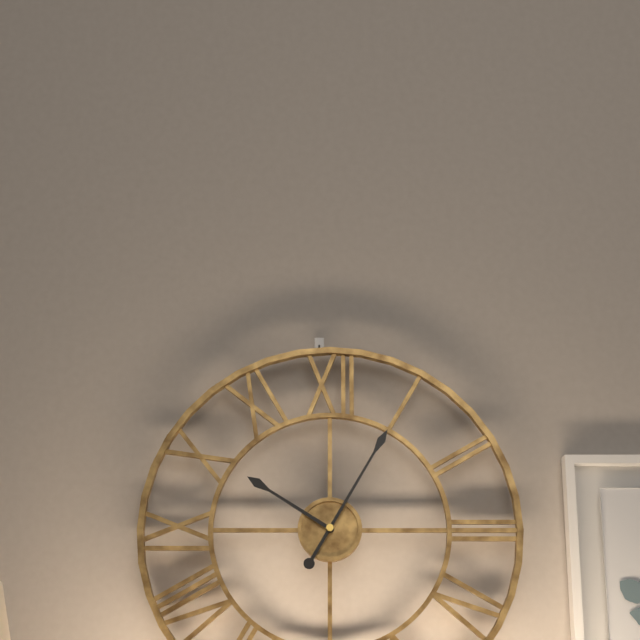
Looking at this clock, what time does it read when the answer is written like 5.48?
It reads 10.05
